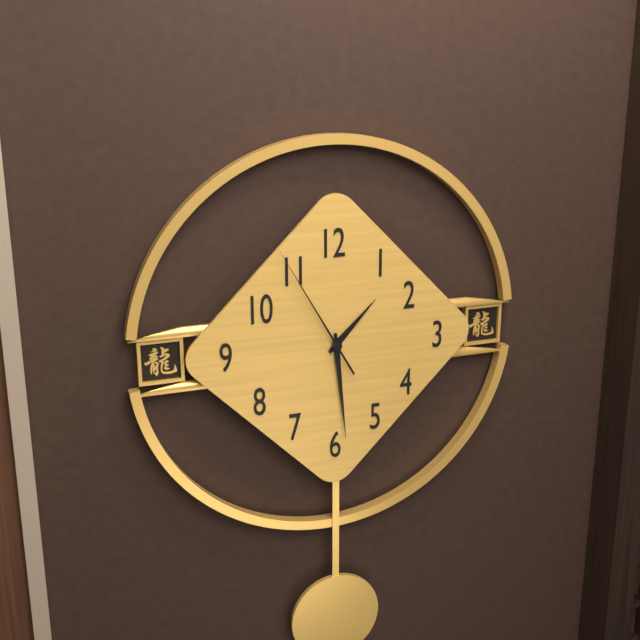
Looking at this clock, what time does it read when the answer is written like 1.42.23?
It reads 1.29.55
